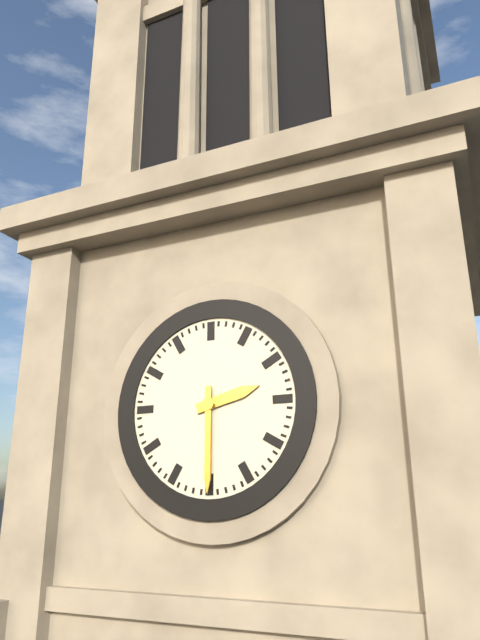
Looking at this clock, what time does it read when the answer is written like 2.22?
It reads 2.30
